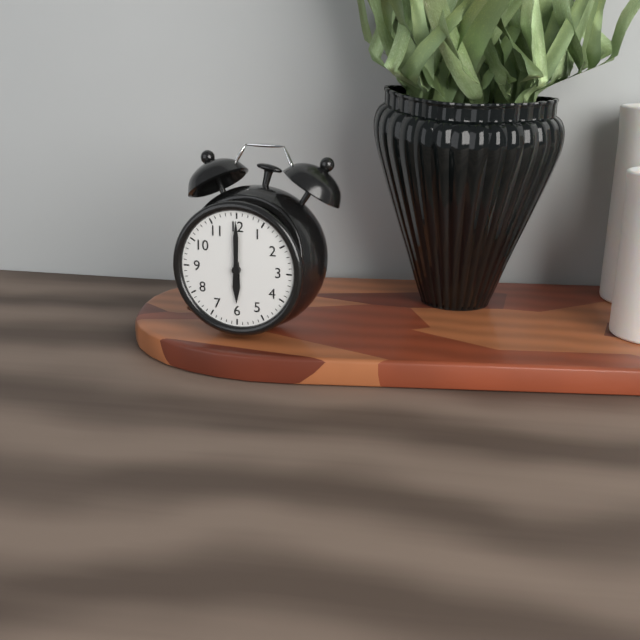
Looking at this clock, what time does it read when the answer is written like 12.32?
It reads 6.00
